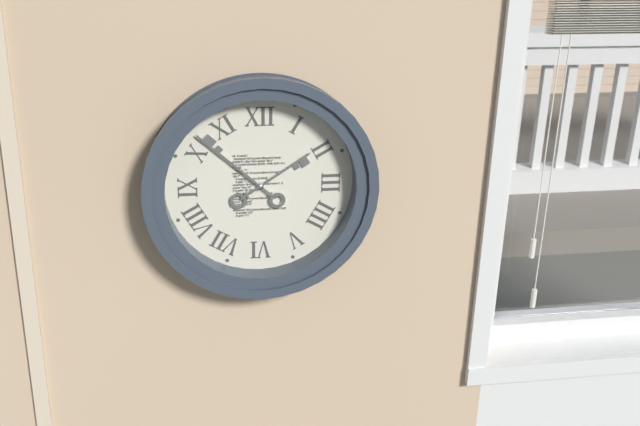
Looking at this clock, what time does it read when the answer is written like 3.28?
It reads 1.52
